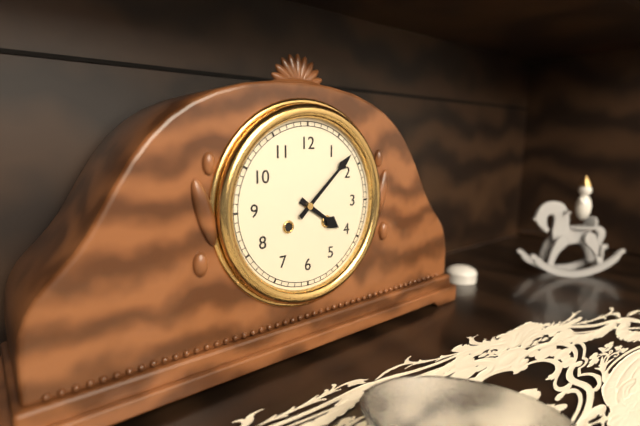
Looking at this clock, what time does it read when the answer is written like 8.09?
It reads 4.08
